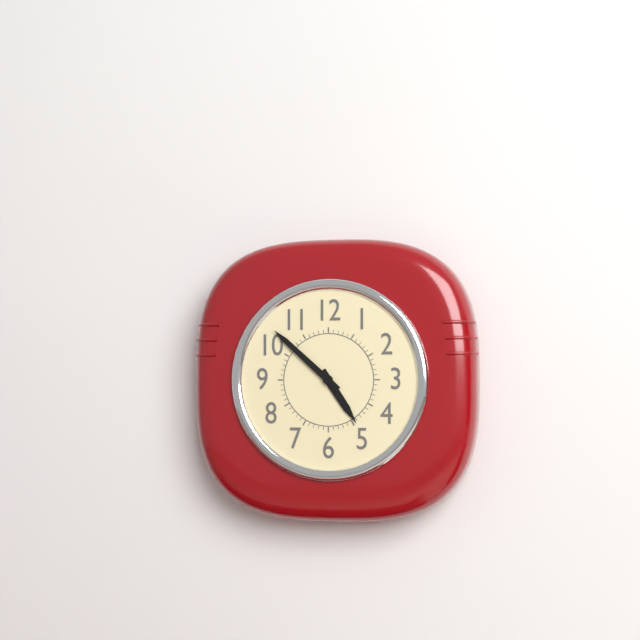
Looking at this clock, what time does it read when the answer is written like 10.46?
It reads 4.52
